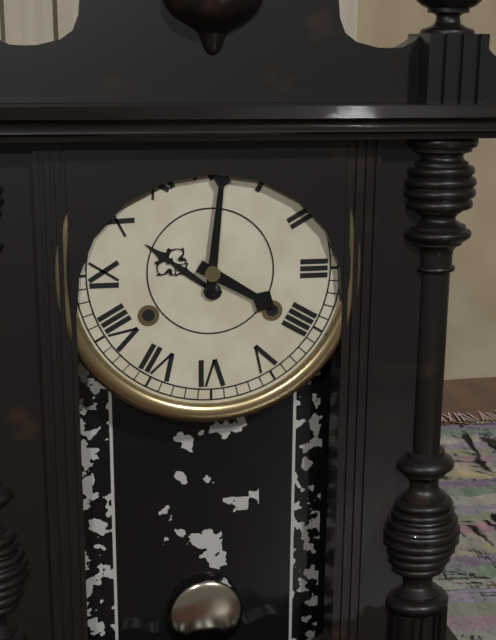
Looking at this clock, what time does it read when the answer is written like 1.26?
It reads 4.01
